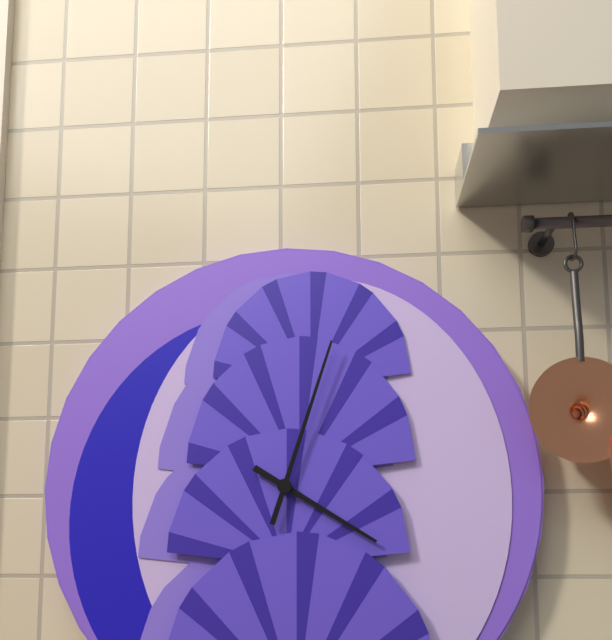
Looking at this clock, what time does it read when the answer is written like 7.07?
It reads 4.03
